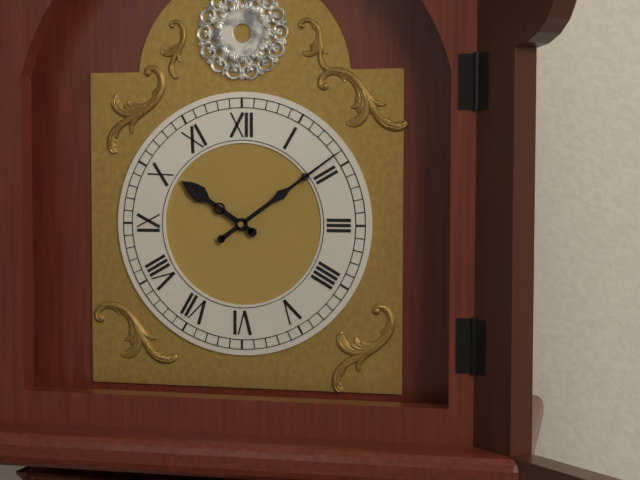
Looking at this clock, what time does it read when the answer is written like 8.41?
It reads 10.09
